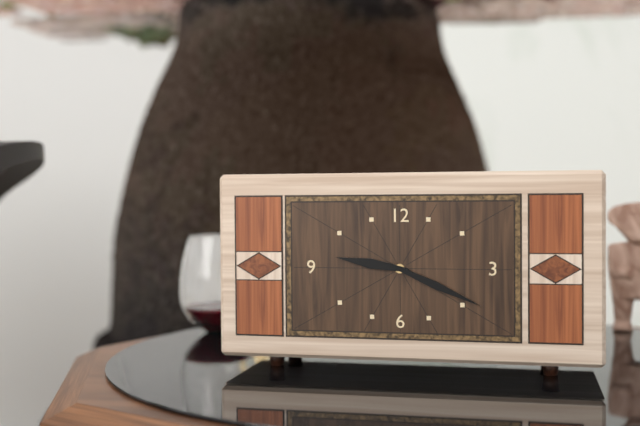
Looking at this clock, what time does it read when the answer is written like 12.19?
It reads 9.19
